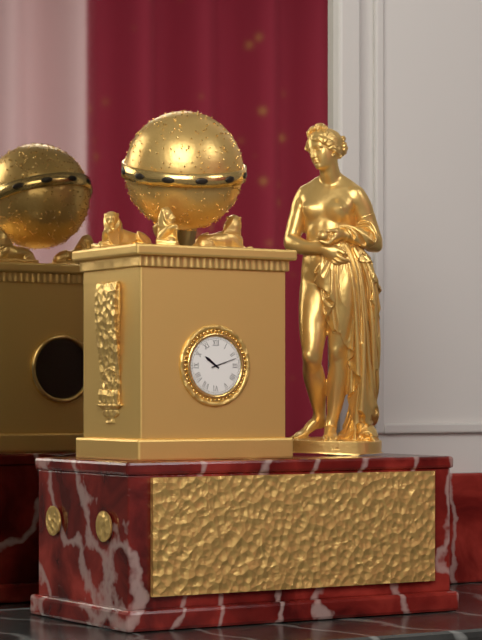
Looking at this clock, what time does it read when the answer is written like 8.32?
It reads 10.12
